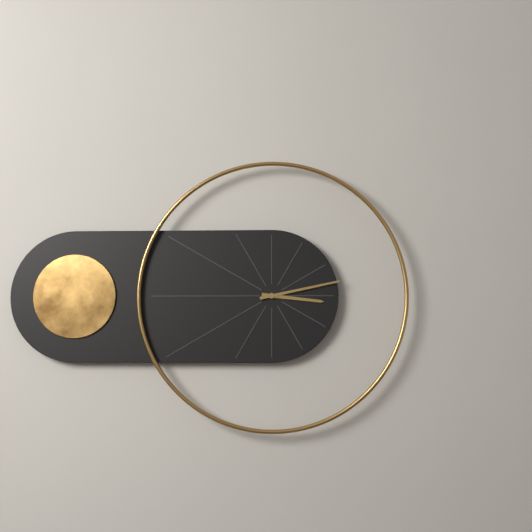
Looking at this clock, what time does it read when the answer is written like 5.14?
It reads 3.13
